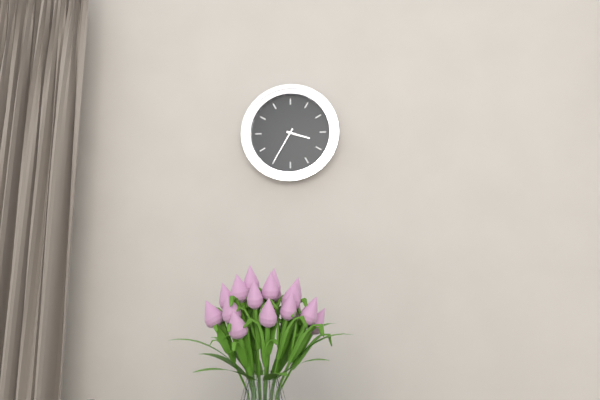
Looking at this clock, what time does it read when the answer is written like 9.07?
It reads 3.35
